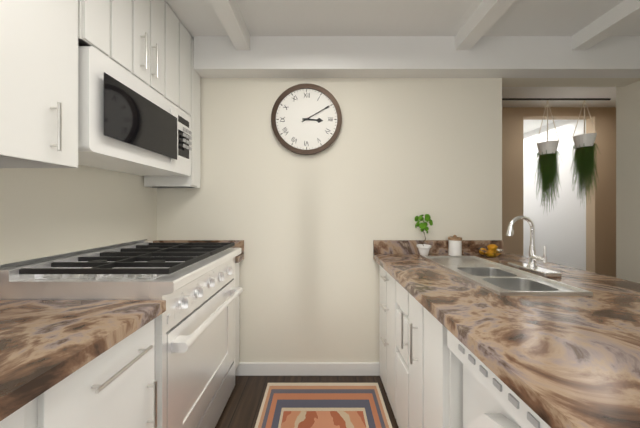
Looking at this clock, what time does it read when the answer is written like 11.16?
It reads 3.10
